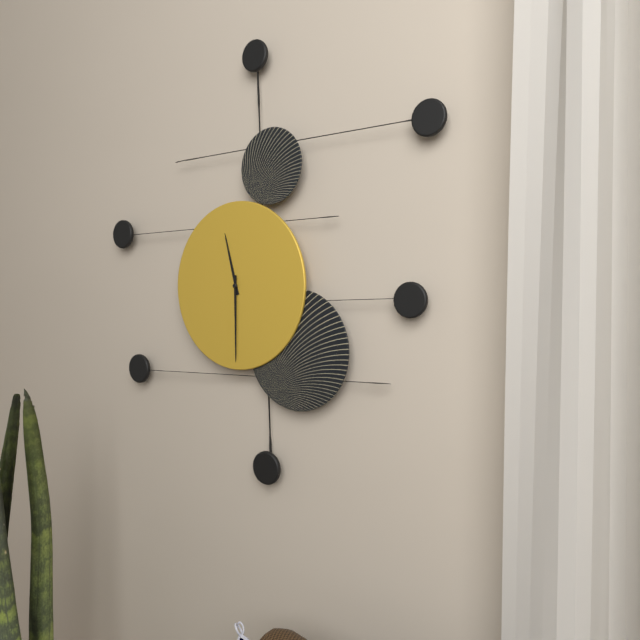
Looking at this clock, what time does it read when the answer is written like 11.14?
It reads 11.30
